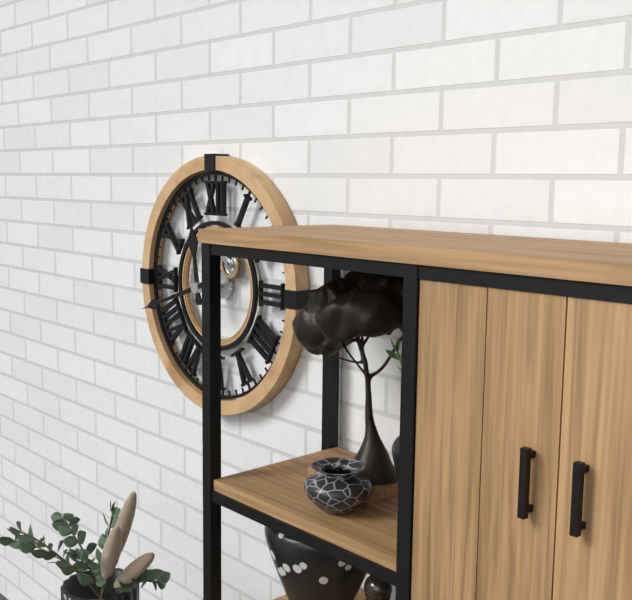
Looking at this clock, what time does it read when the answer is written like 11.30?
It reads 11.42
